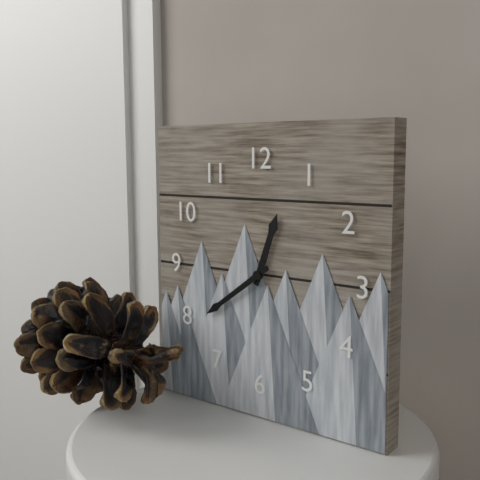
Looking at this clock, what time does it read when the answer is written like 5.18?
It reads 12.39
